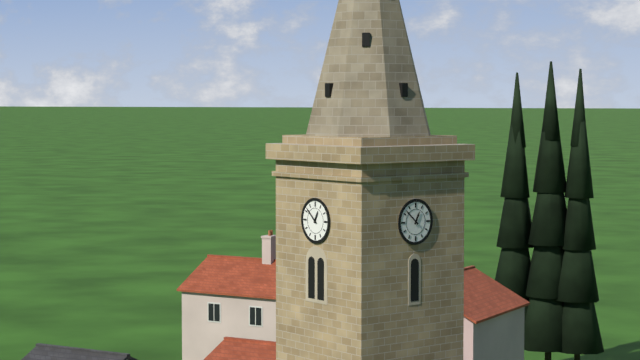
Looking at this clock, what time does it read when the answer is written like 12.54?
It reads 12.52
